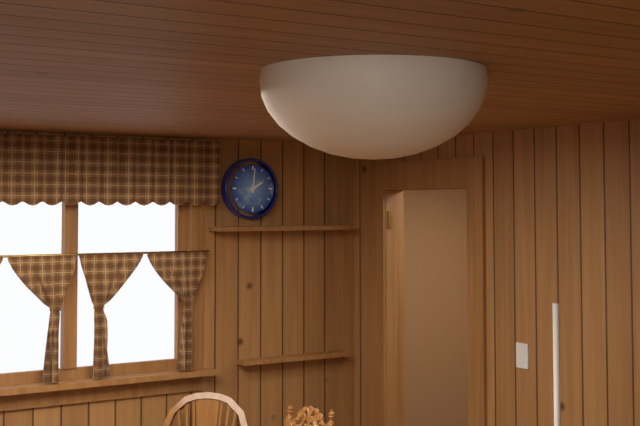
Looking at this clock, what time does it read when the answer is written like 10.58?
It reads 2.01
